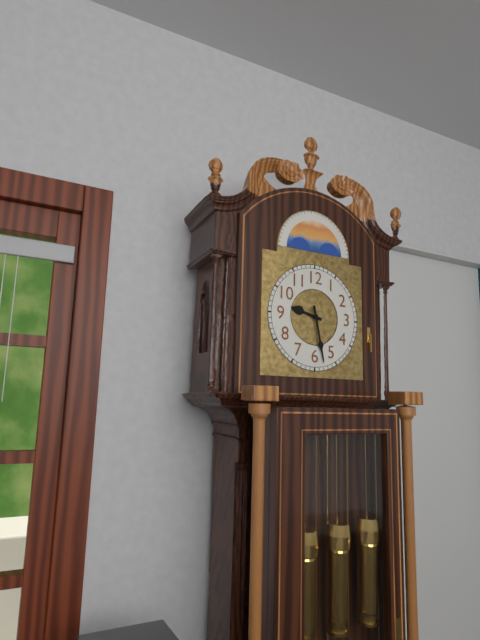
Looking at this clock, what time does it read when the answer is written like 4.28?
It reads 9.28
